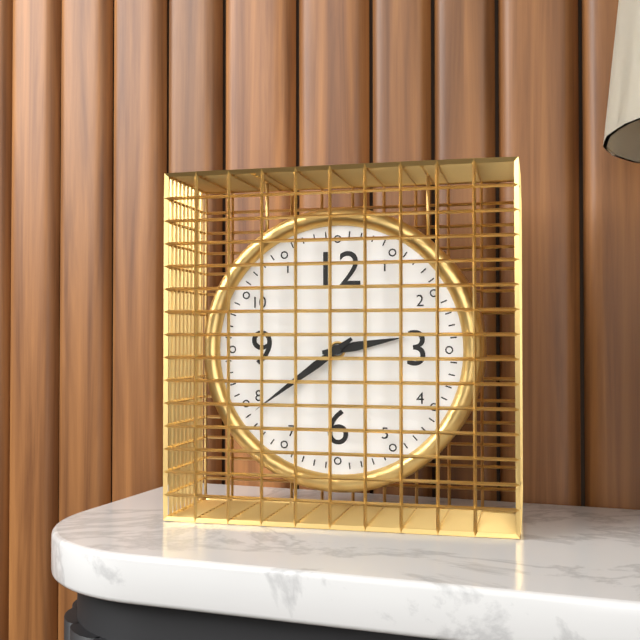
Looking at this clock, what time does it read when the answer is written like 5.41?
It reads 2.39
